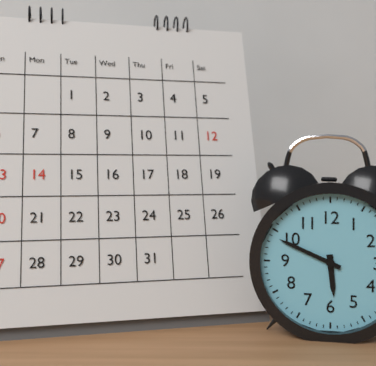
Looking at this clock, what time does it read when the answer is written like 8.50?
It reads 5.49
